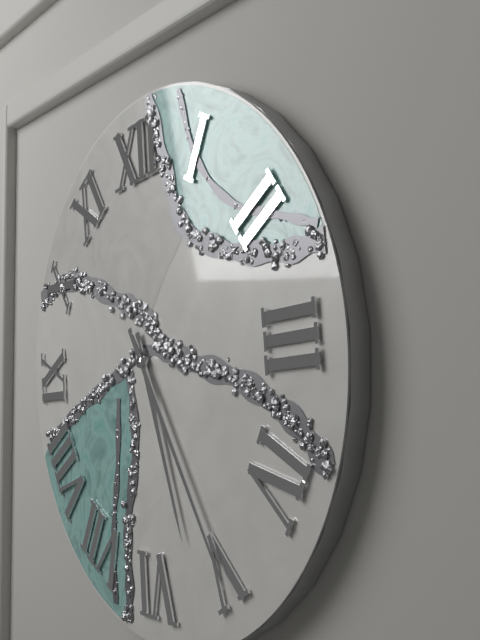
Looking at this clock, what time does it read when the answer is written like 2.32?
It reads 5.25
